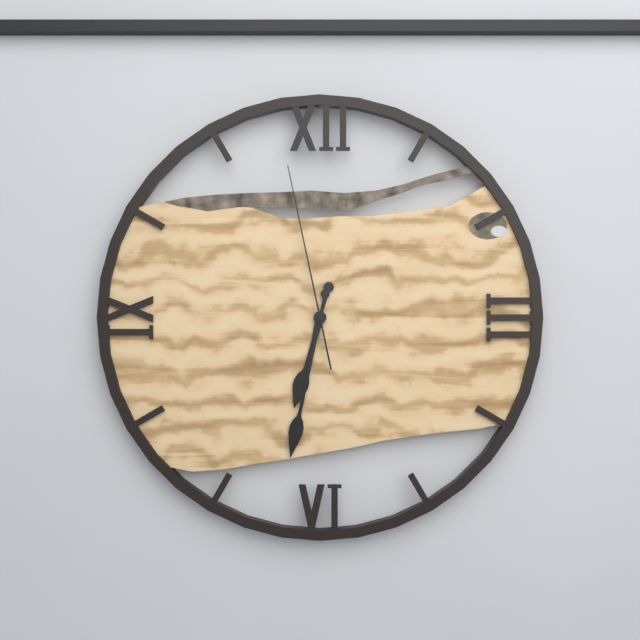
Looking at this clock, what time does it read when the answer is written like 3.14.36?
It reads 6.32.58
